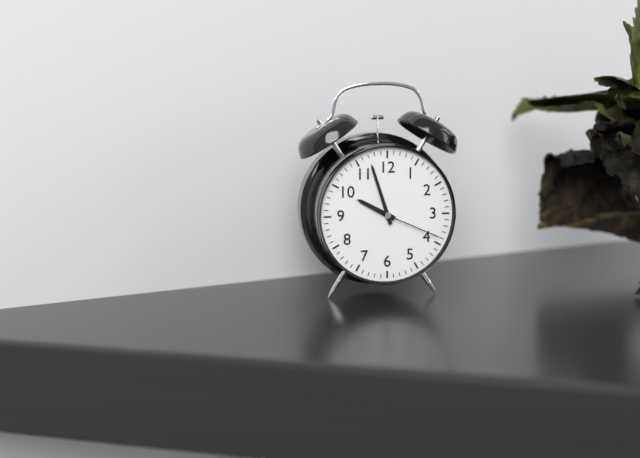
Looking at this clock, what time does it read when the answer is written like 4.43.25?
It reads 9.57.19
